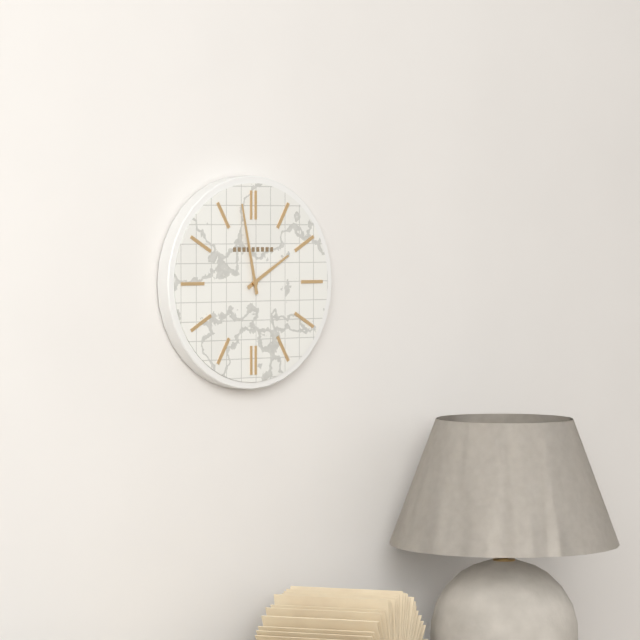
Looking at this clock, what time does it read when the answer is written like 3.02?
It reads 1.58
